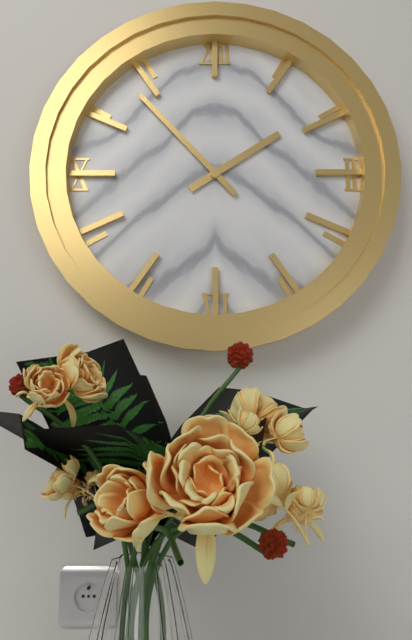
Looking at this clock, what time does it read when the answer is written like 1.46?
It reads 1.53
